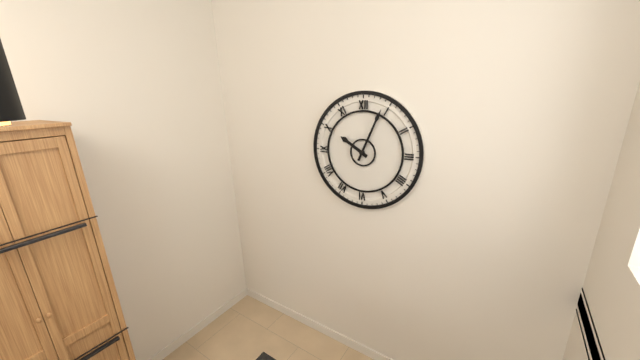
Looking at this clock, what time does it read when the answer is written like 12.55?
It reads 10.04
